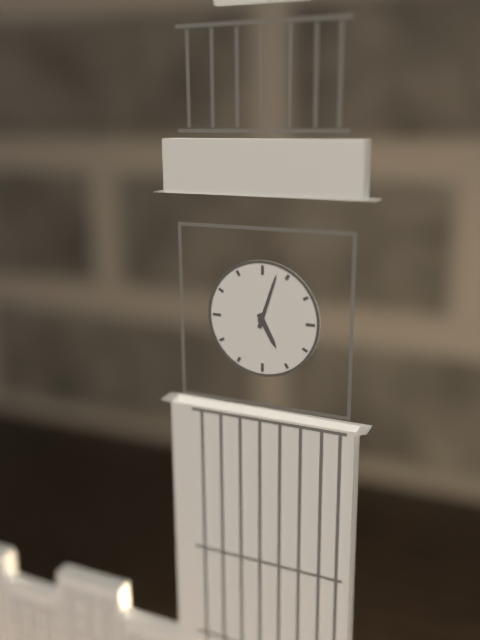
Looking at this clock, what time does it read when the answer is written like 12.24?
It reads 5.03
